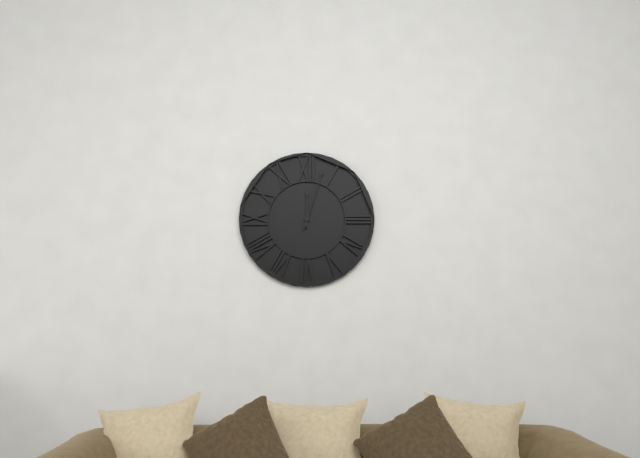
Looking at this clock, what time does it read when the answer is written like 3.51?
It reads 12.03
